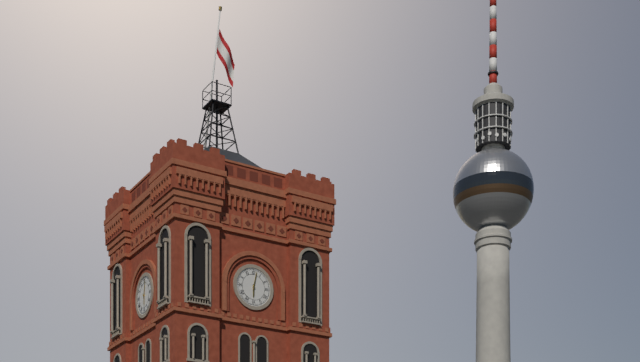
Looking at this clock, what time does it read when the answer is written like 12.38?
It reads 6.02
